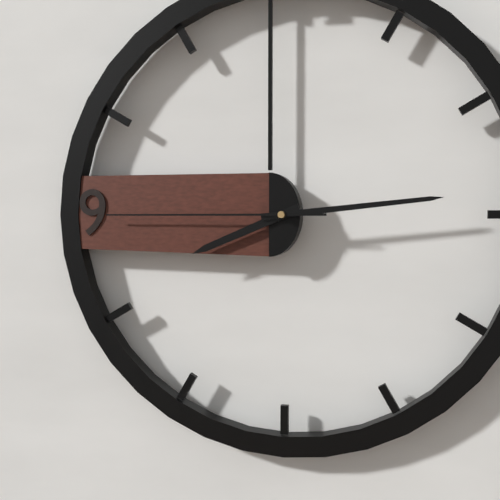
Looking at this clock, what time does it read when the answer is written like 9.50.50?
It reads 8.14.45
